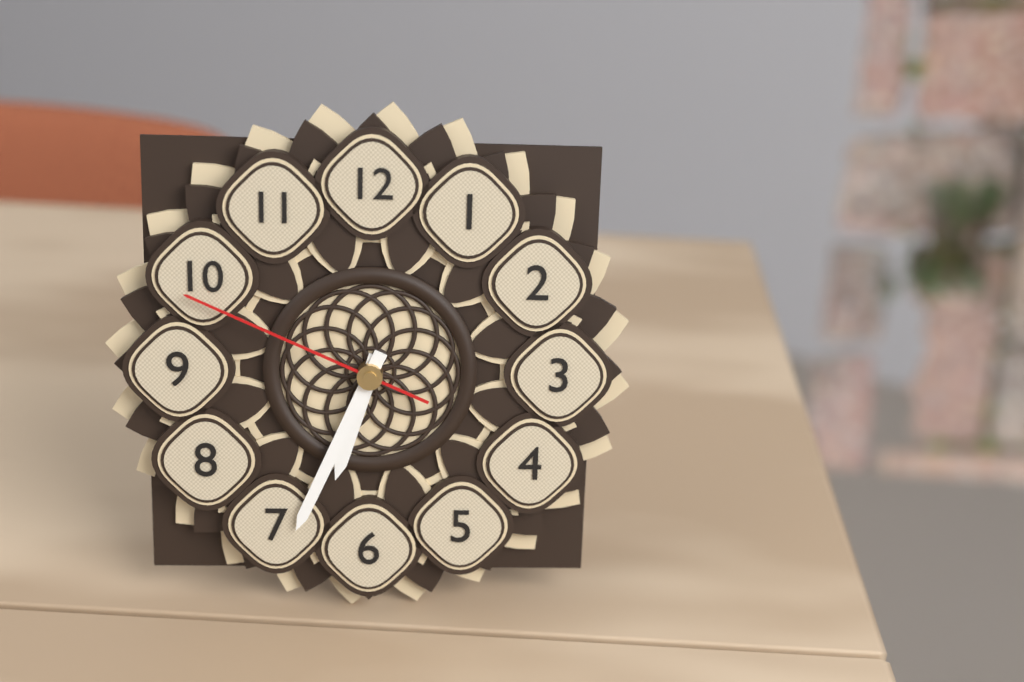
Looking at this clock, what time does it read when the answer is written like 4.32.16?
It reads 6.34.49
